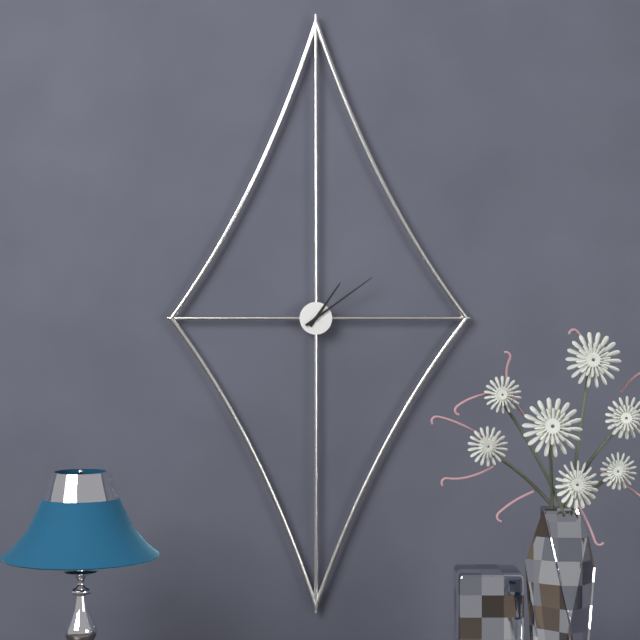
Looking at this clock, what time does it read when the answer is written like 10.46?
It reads 1.09
